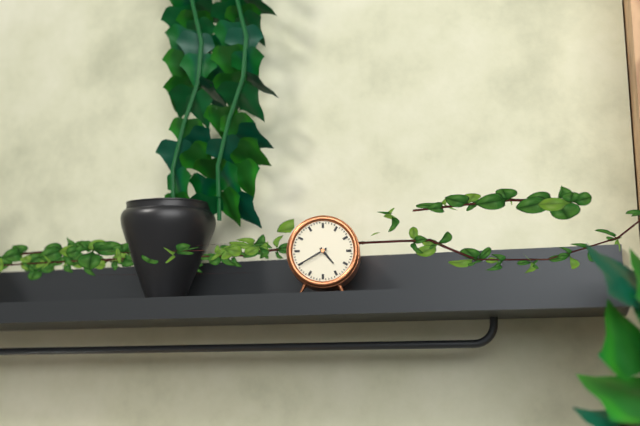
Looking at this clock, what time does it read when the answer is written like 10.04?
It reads 4.40
